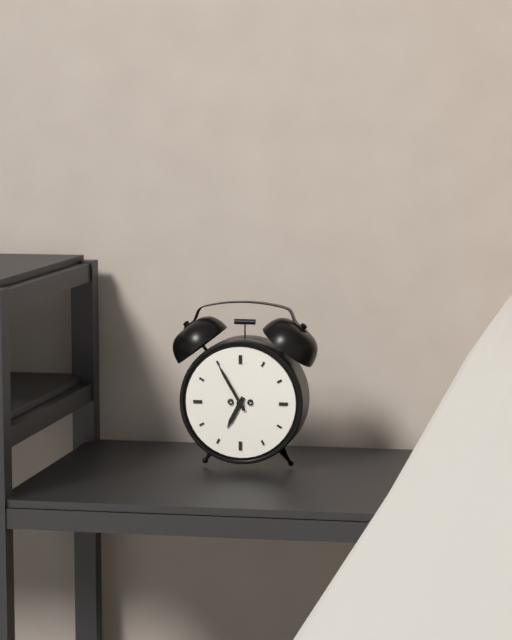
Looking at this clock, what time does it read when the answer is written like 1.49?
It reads 6.55
